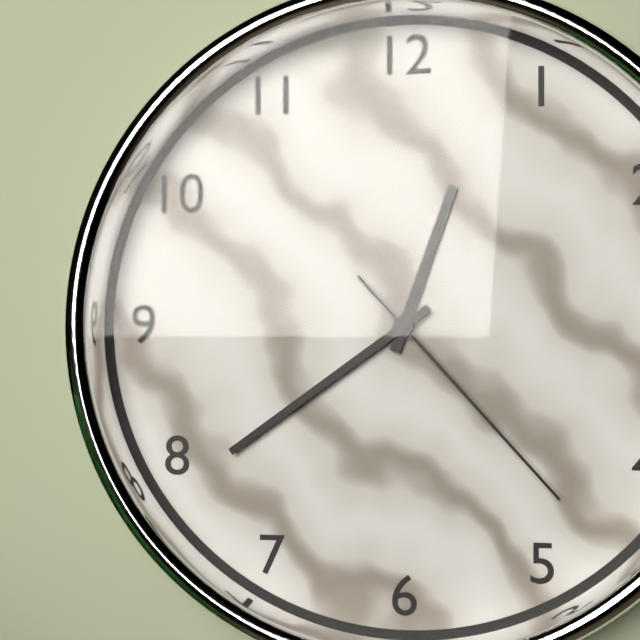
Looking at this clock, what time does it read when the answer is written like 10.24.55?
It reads 12.39.23
